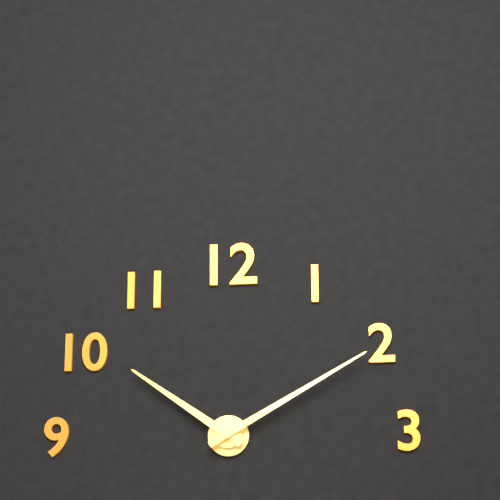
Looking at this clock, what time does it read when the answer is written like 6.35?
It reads 10.10
